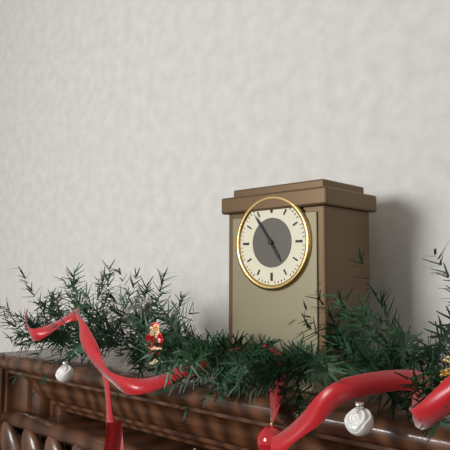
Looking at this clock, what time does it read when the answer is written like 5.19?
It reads 4.54
